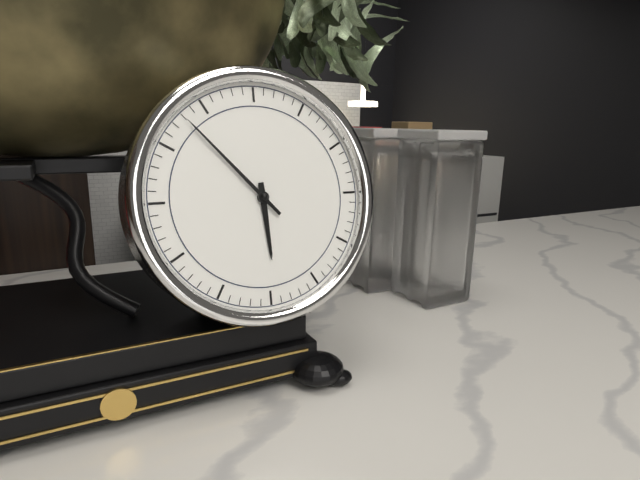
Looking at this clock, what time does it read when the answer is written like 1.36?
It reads 5.53
